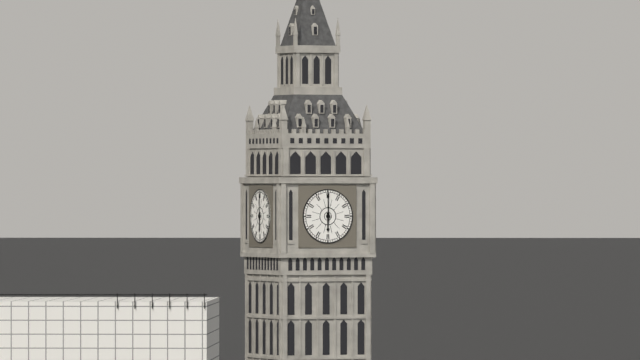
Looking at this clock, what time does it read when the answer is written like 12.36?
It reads 6.00
